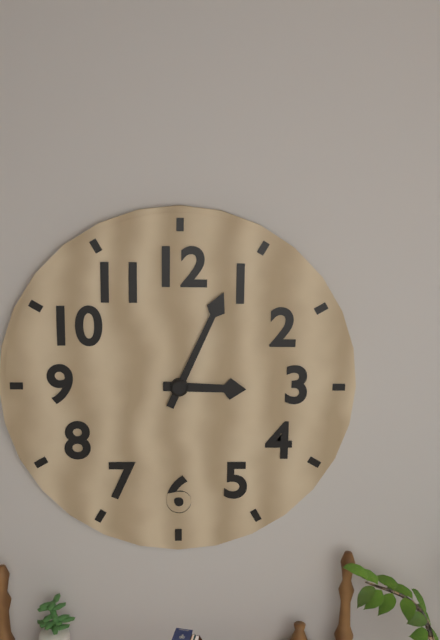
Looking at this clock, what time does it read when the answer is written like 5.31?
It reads 3.04
